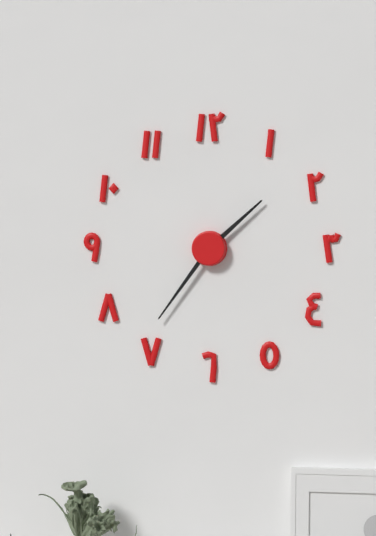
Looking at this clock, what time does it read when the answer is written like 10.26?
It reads 1.36
